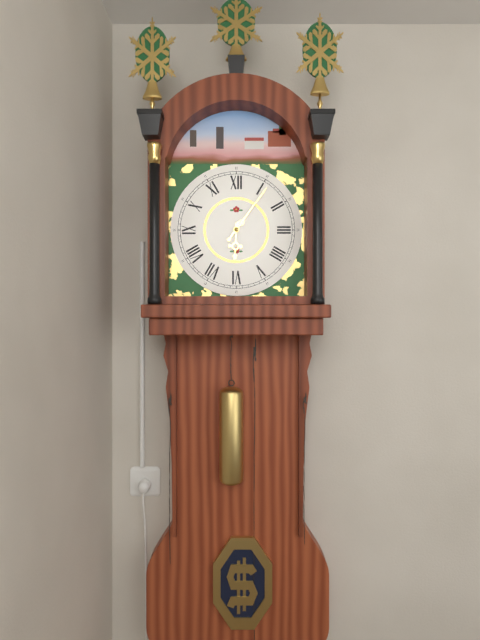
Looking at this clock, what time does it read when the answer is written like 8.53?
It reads 6.06
